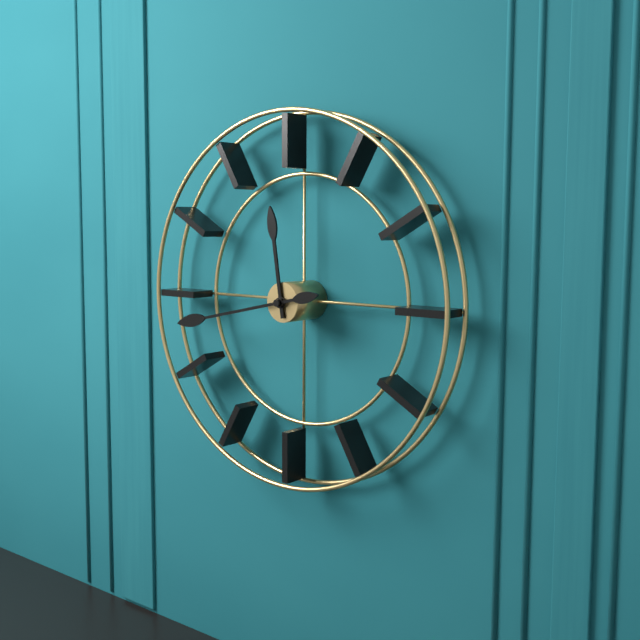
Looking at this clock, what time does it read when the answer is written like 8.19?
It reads 11.43
